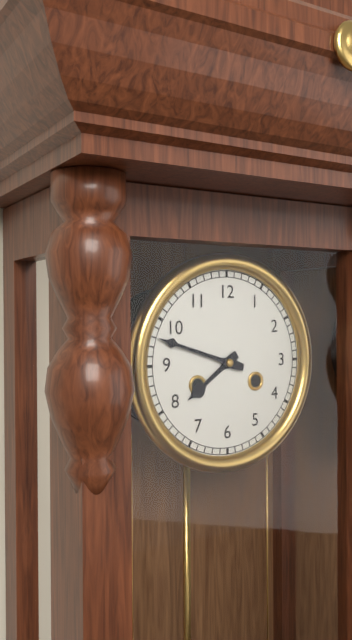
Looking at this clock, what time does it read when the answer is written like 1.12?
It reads 7.48
